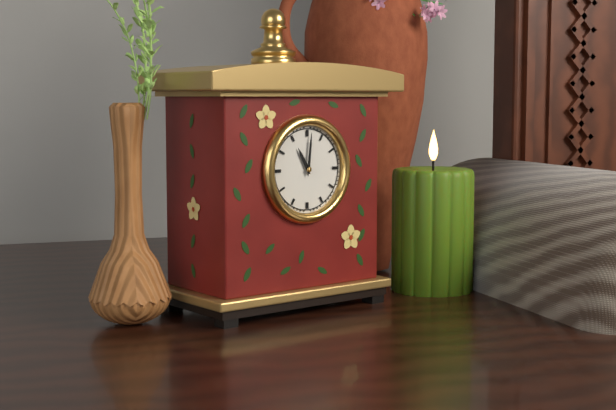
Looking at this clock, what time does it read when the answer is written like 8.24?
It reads 11.01
